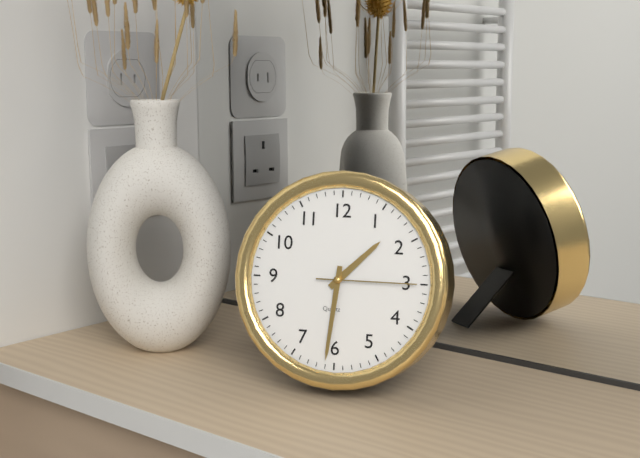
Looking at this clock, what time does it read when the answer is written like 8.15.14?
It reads 1.31.15
